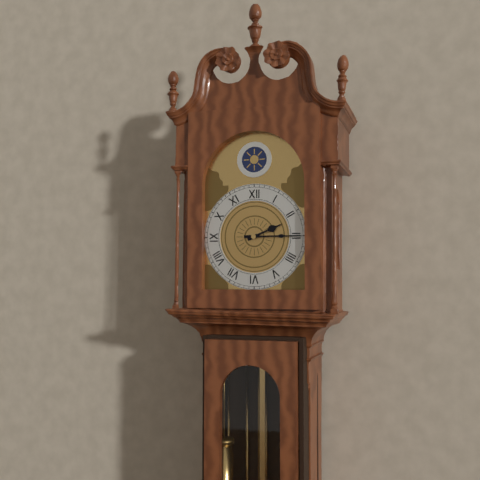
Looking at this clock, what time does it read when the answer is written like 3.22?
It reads 2.15
